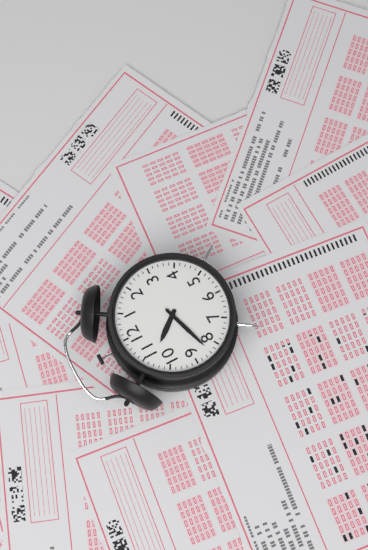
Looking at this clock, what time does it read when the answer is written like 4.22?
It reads 10.42
